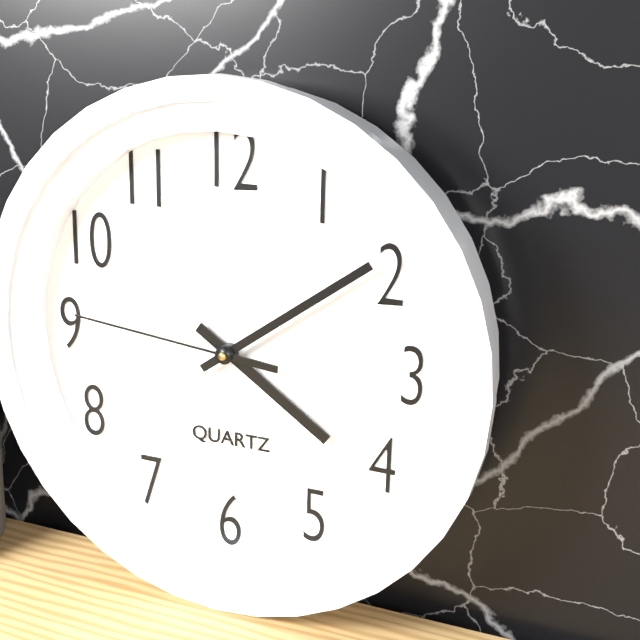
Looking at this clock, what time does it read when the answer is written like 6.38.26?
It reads 4.09.46
